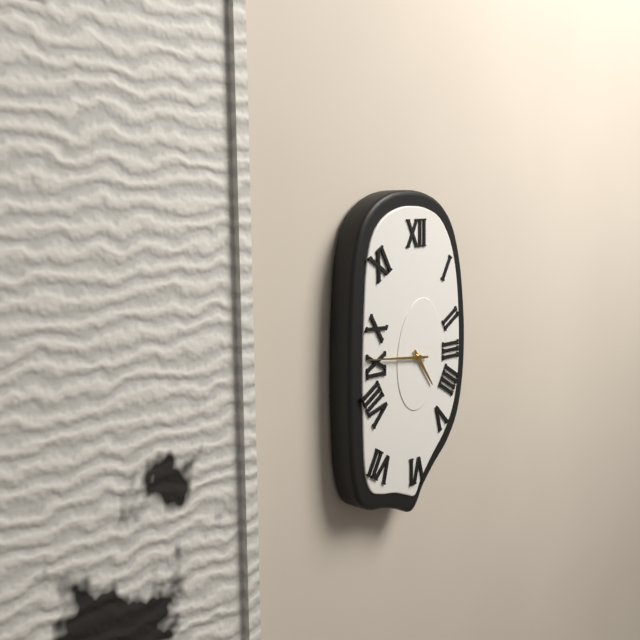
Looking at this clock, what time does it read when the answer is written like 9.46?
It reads 4.46
